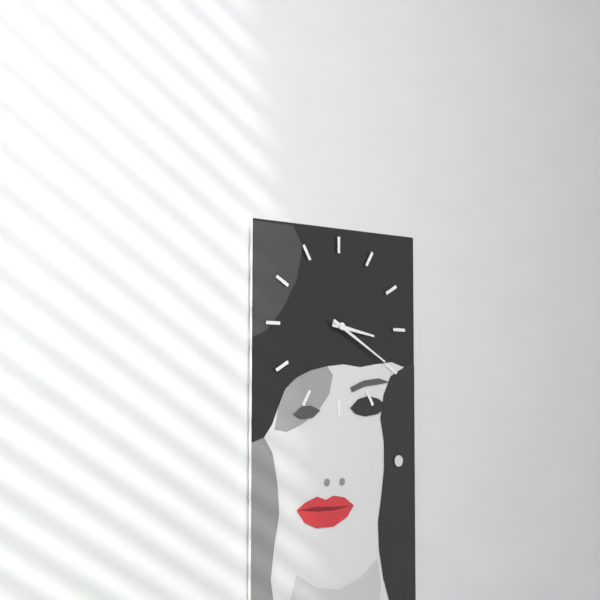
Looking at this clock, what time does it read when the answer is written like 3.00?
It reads 3.20
